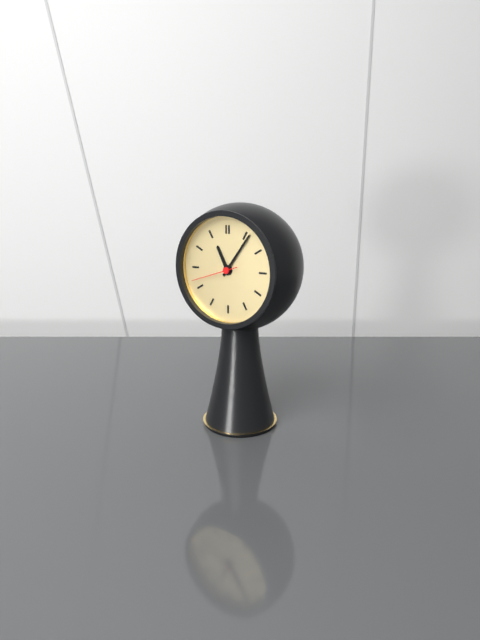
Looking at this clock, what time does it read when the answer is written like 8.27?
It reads 11.06
